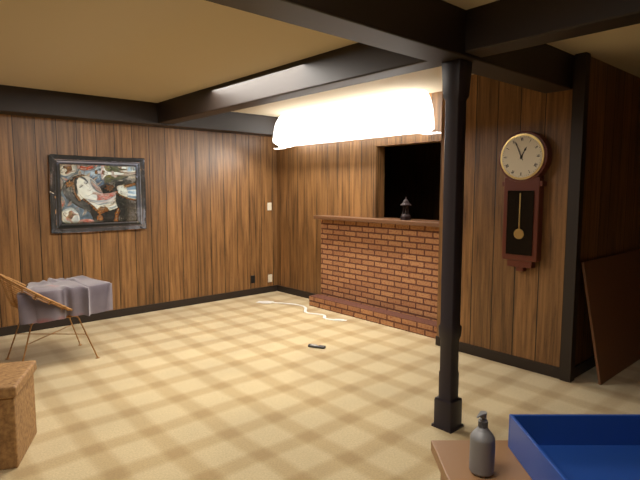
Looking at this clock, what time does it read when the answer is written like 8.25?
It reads 12.56
